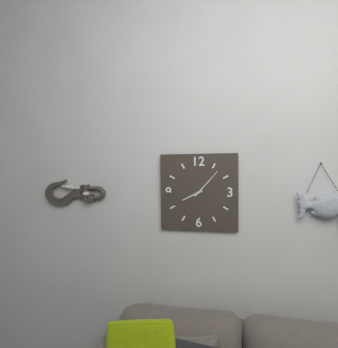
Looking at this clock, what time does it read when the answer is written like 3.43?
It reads 8.07
